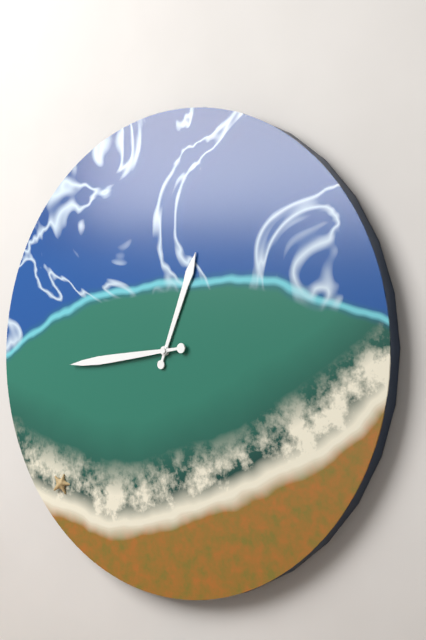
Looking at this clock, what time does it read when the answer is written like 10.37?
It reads 12.44
